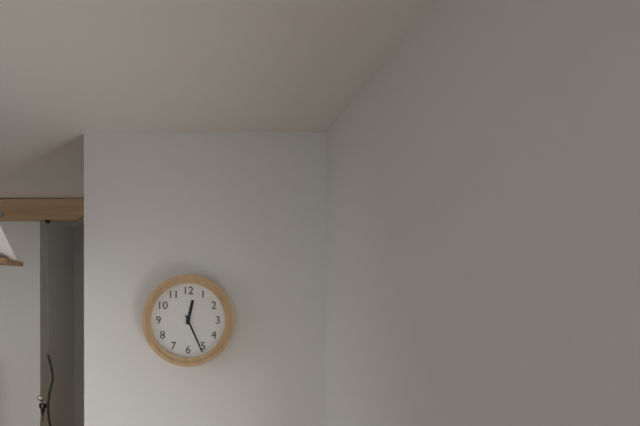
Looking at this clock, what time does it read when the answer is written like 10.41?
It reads 12.26
